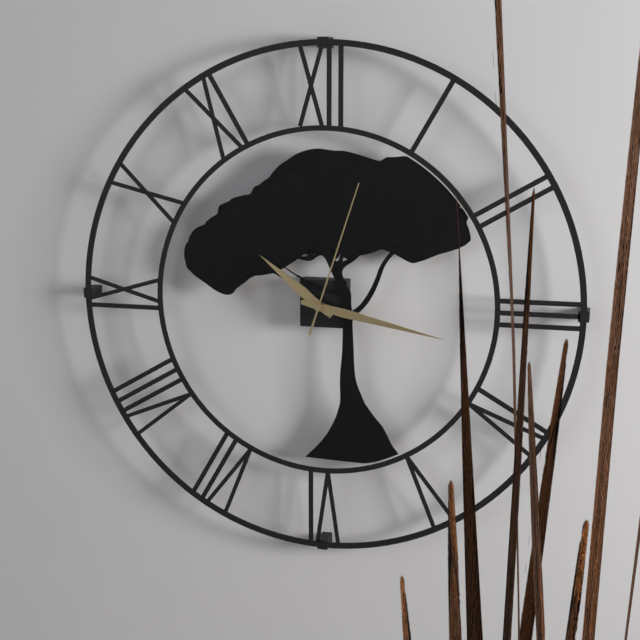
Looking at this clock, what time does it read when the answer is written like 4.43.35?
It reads 10.17.03
